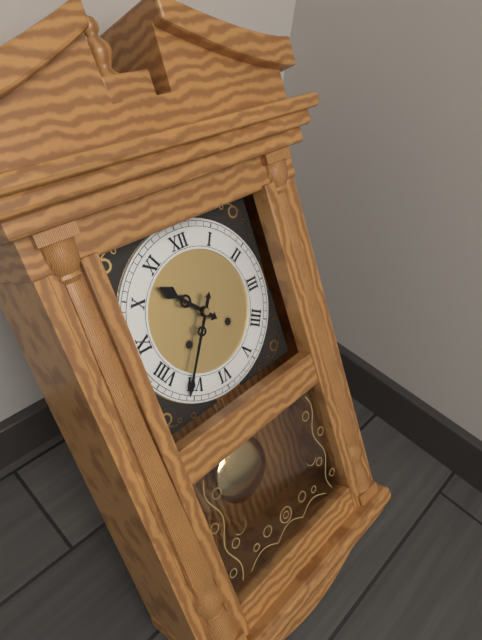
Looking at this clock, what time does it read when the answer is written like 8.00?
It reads 10.36
